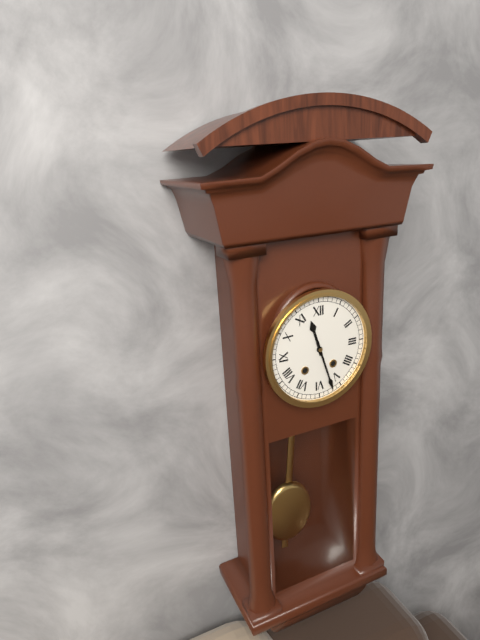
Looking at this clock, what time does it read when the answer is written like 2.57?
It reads 11.27
